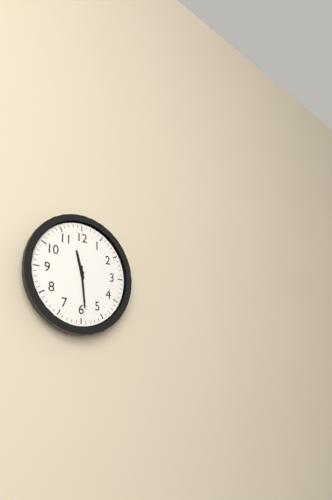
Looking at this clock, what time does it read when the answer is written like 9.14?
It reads 11.29
